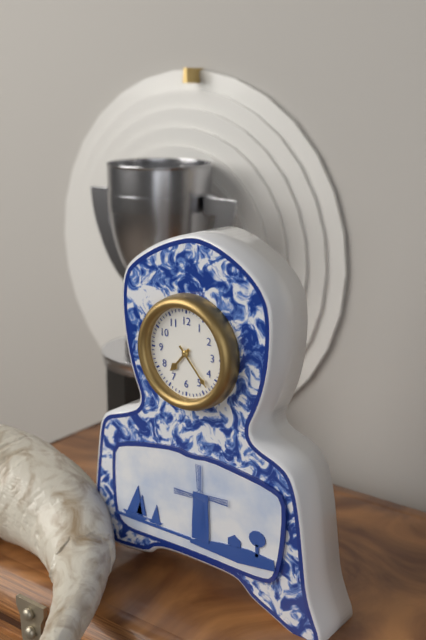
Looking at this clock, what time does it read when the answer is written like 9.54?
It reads 7.23
